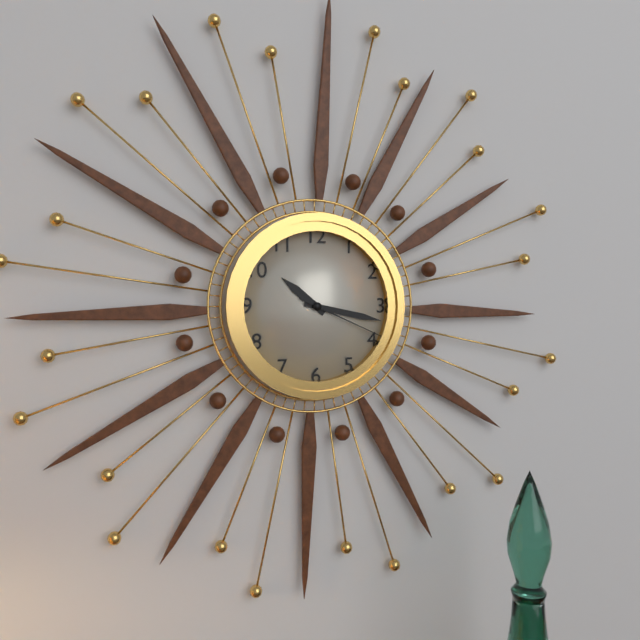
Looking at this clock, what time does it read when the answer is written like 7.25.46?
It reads 10.17.19
